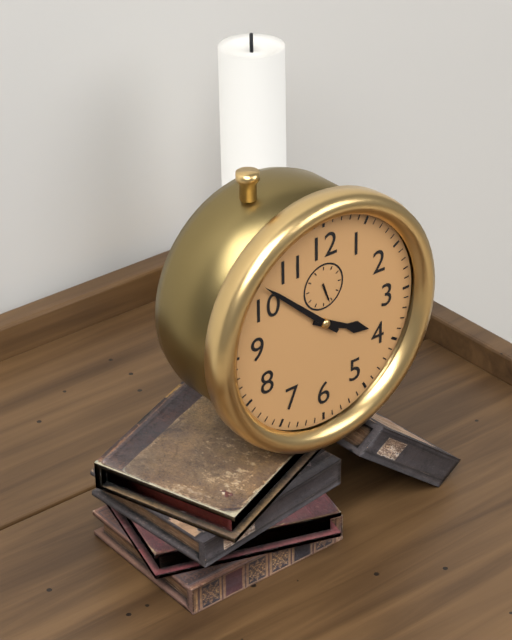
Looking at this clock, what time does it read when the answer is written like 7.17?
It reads 3.52
